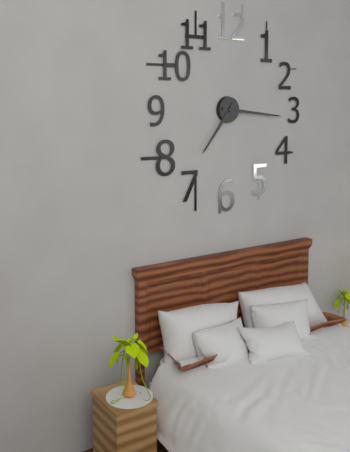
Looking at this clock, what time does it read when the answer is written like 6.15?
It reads 7.16
